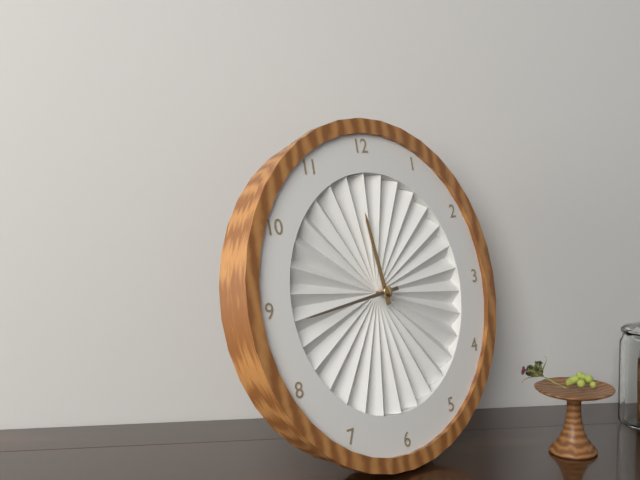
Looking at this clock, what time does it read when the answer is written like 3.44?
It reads 11.44
